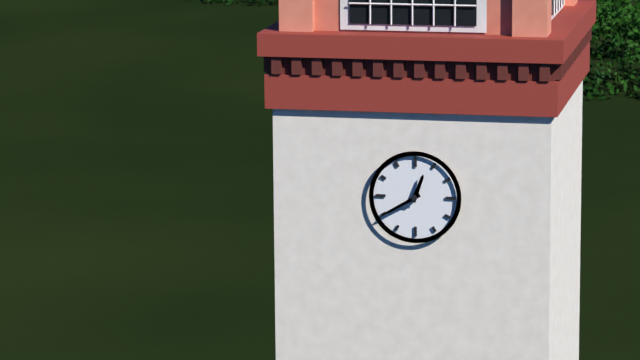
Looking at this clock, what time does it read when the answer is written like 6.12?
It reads 12.40
